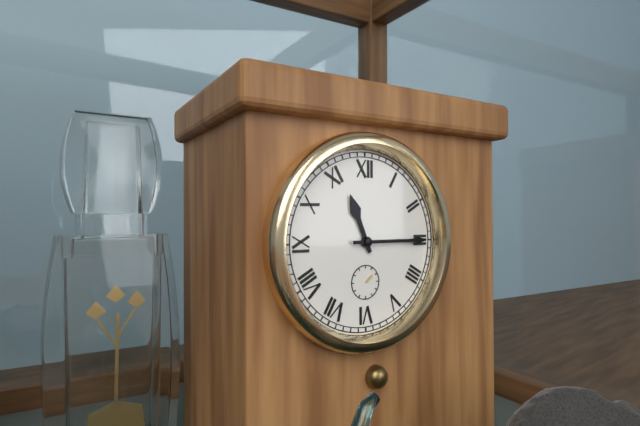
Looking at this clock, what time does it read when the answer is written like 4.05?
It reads 11.15
